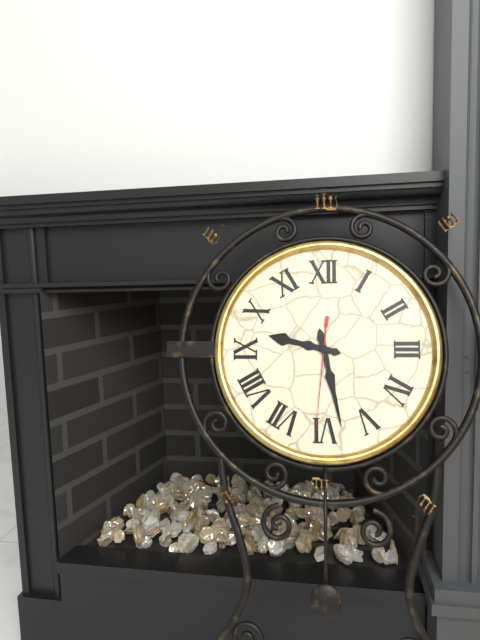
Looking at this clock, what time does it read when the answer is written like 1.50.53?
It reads 9.28.31
